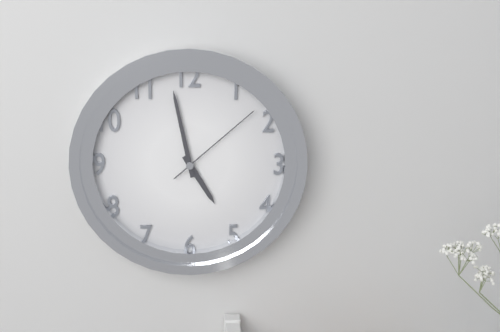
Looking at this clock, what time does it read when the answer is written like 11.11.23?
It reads 4.58.08
